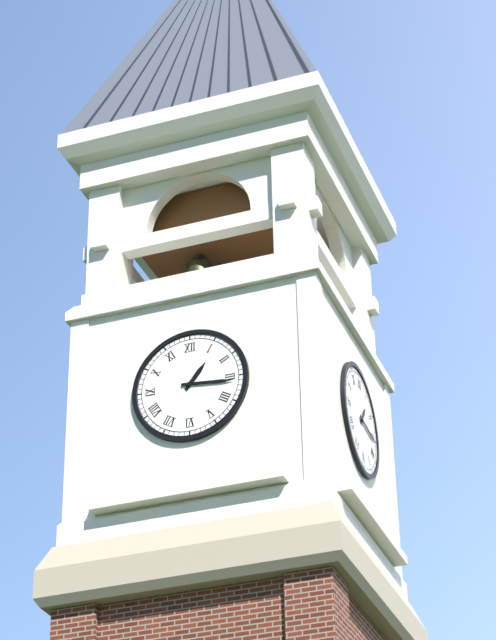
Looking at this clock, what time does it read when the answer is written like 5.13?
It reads 1.16
